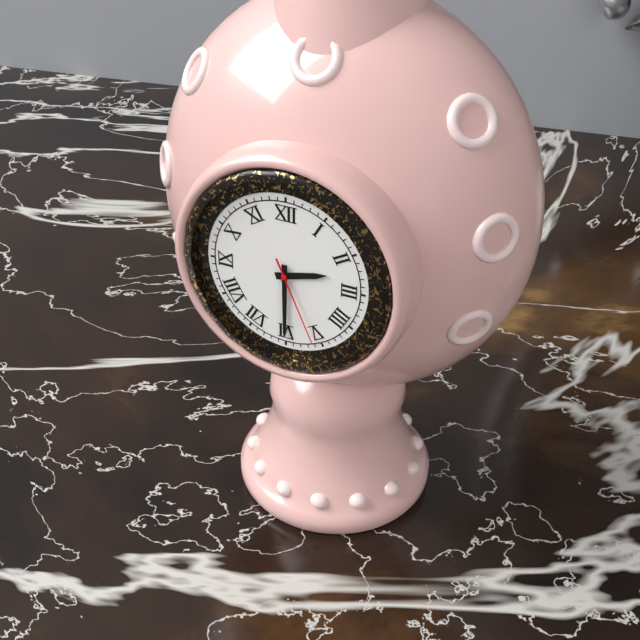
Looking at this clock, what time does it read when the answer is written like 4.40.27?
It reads 2.30.26
